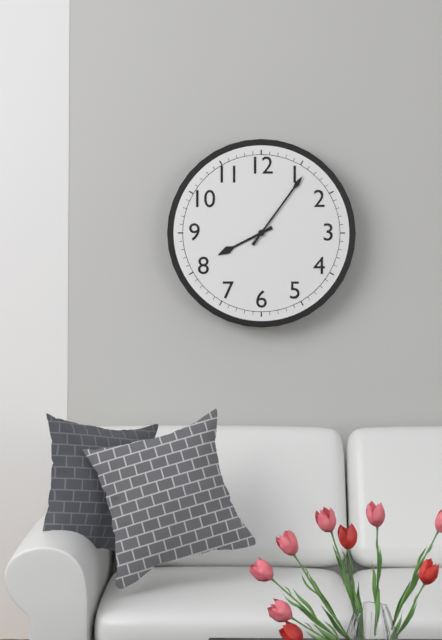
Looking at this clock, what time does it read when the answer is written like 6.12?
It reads 8.06
